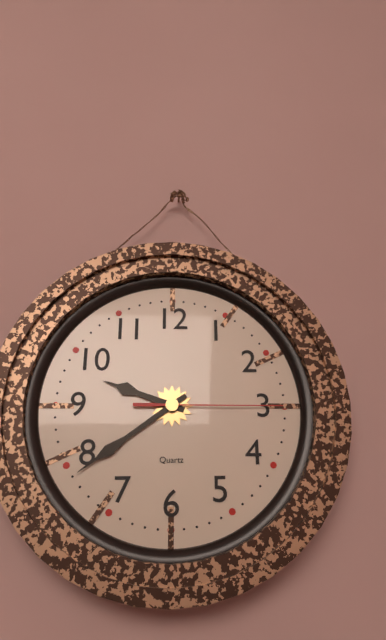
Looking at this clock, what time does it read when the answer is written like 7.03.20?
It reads 9.39.15
